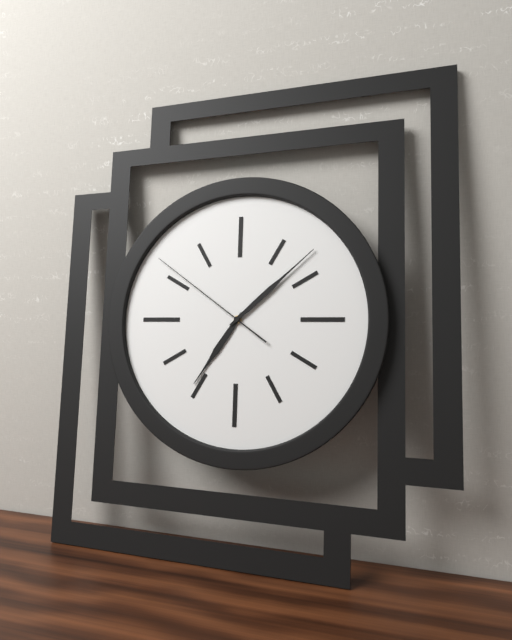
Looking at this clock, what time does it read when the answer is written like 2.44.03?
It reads 7.08.51
